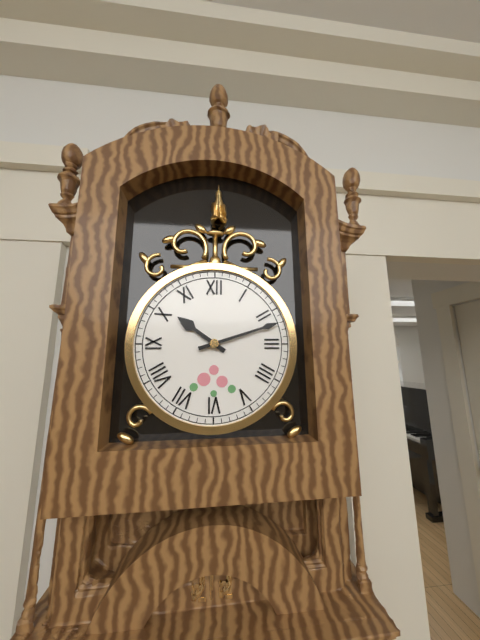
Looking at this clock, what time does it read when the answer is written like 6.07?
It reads 10.12
